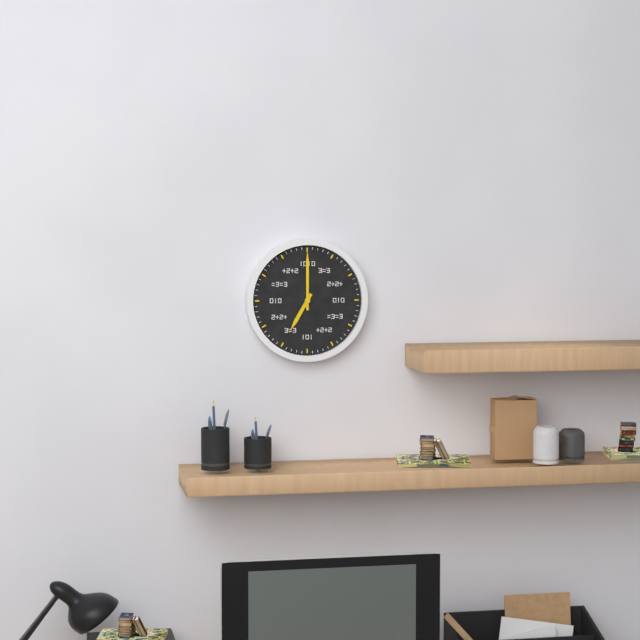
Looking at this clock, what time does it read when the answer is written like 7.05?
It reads 7.00
